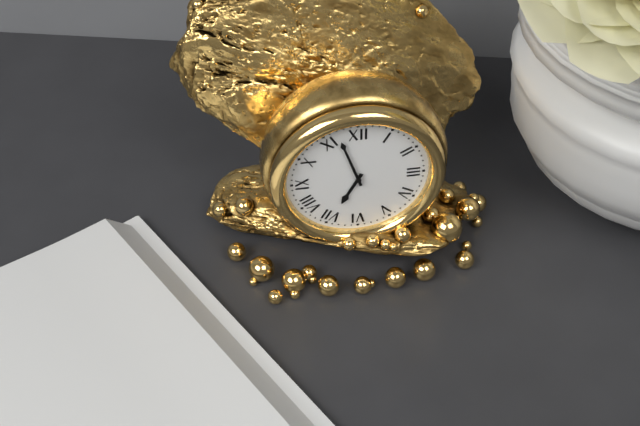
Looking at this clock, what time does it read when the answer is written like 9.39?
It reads 6.57
